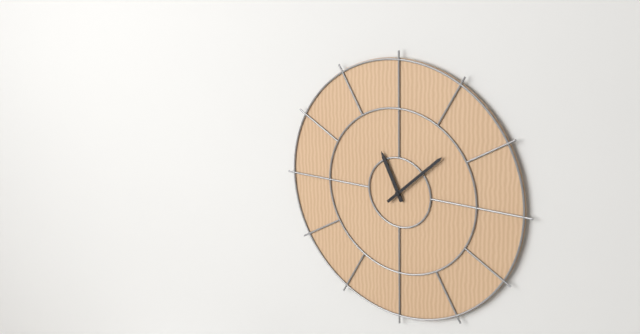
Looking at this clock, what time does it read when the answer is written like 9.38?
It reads 11.08
